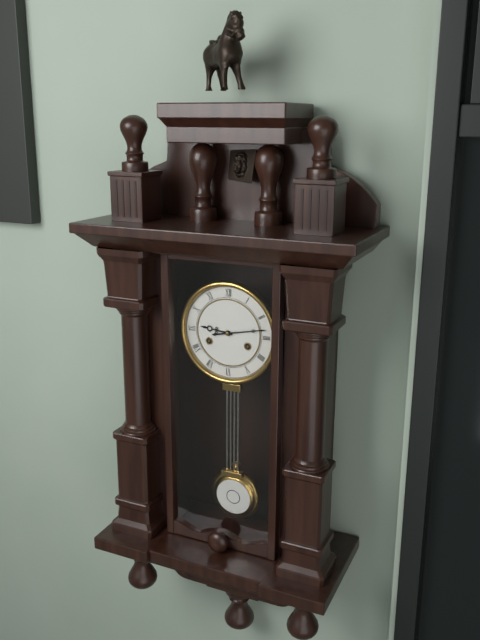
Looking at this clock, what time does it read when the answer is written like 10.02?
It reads 9.13
